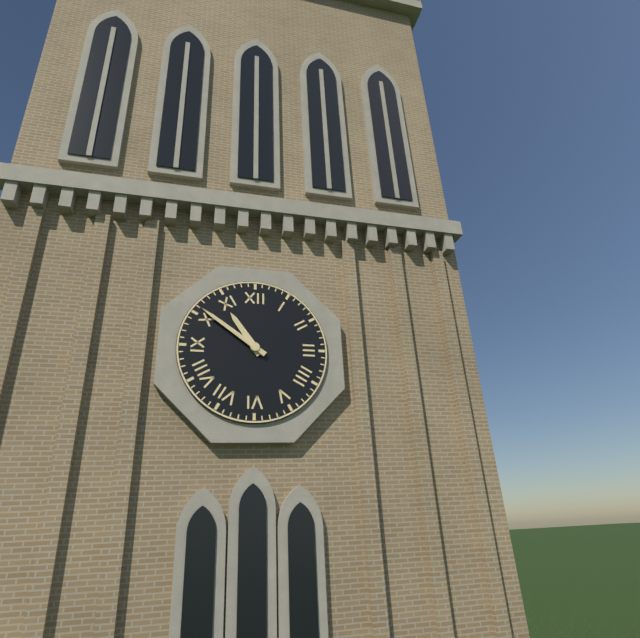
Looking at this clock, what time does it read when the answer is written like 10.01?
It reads 10.51
